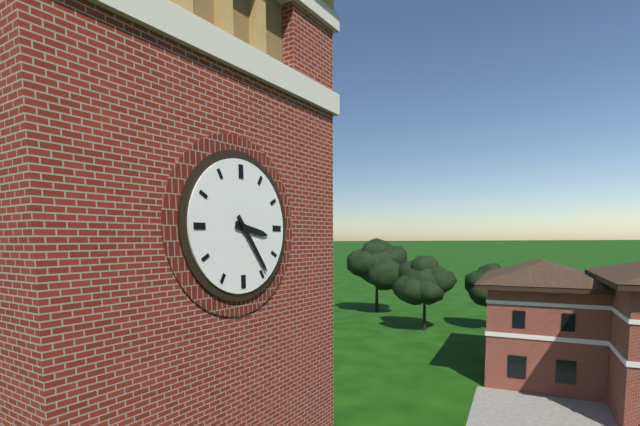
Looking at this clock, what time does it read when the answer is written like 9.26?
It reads 3.24
